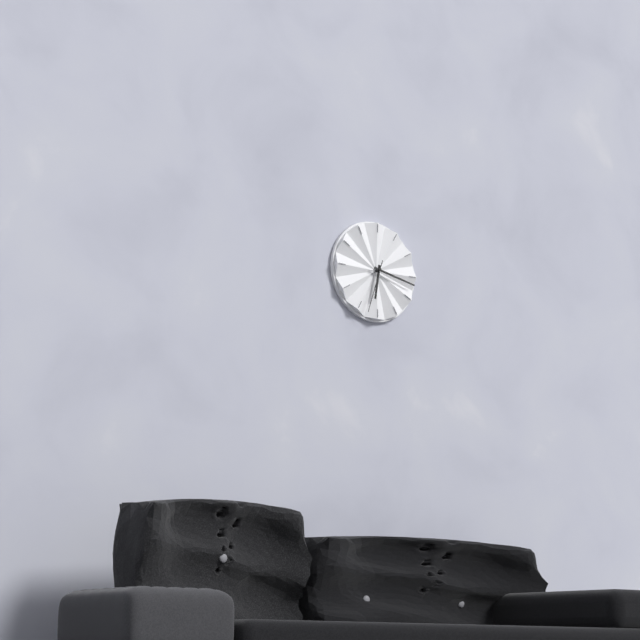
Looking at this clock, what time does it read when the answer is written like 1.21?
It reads 6.17
